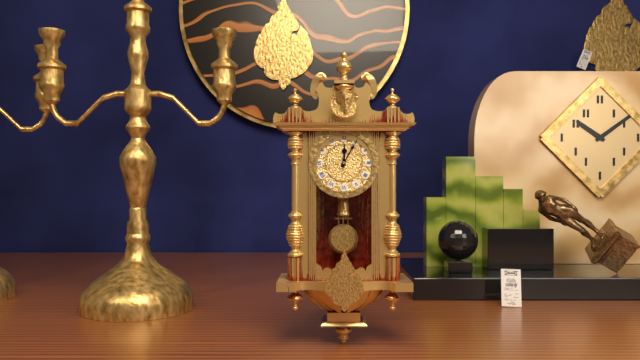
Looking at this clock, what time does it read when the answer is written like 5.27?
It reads 12.05
